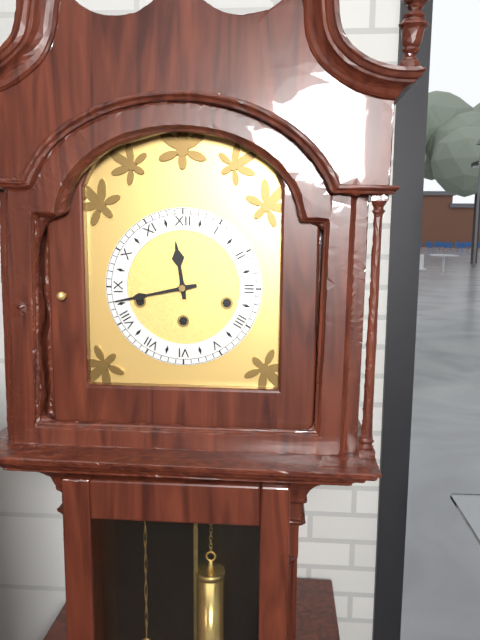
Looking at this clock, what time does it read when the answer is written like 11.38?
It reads 11.43
